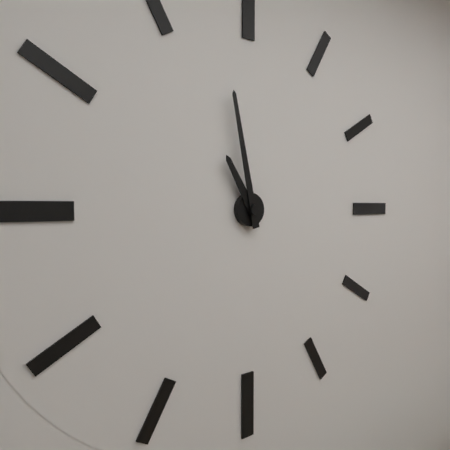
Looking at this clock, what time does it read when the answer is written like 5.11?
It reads 10.58
